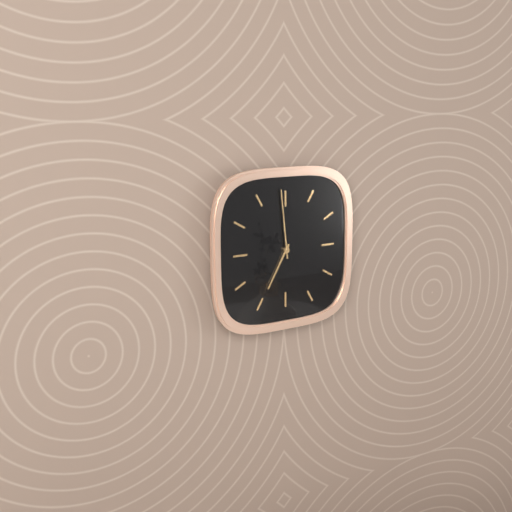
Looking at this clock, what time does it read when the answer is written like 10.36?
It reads 6.59
